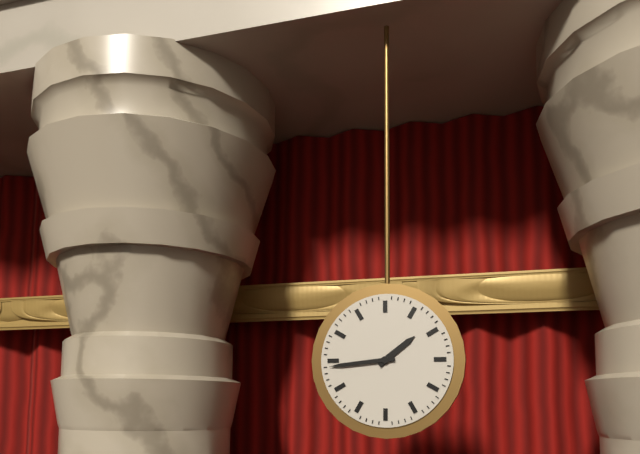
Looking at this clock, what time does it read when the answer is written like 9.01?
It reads 1.44
